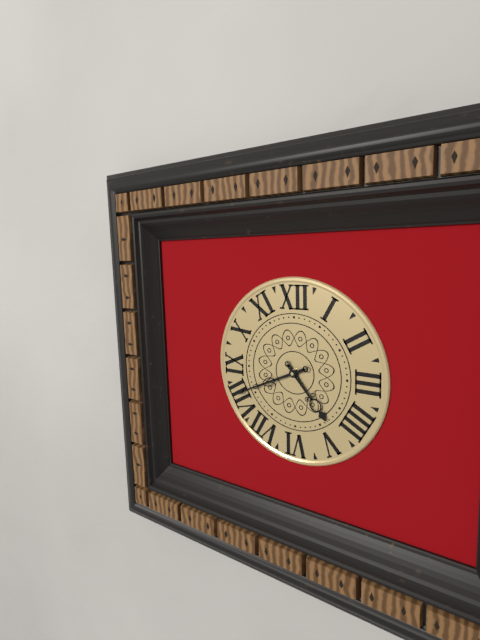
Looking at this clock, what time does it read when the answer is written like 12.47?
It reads 4.41
